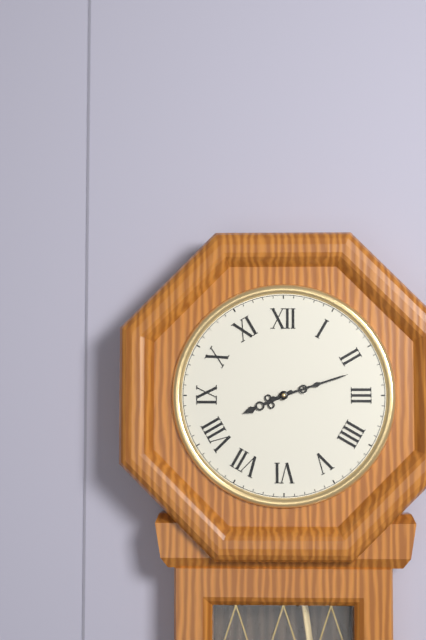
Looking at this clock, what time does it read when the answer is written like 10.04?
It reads 8.12
